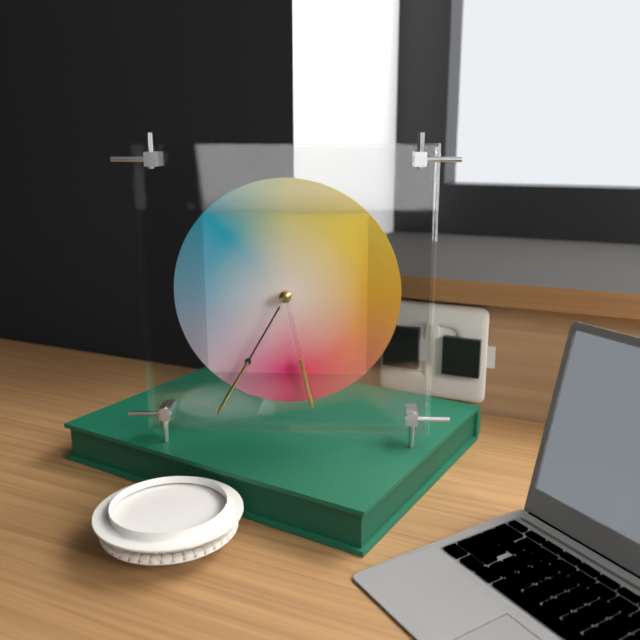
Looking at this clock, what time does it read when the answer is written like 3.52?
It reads 5.35
